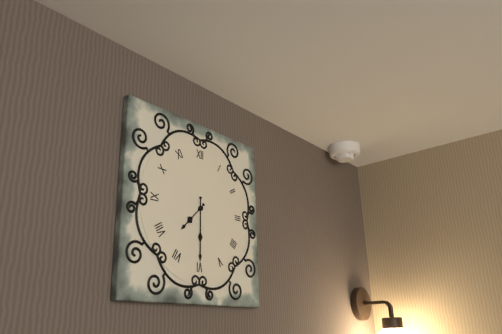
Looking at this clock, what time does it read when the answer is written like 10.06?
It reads 7.30
